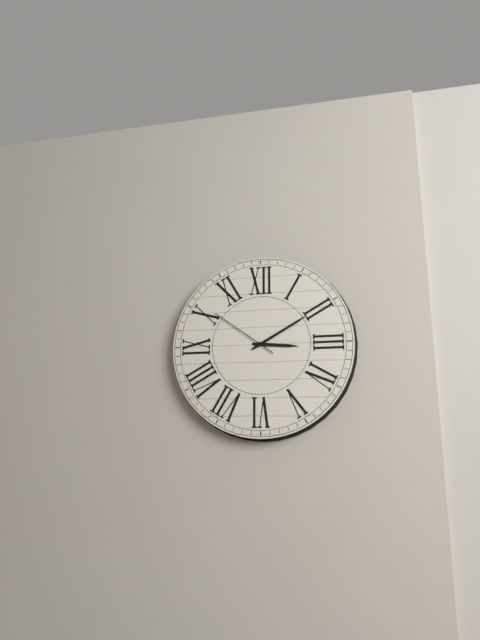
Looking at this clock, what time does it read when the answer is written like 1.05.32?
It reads 3.10.51
